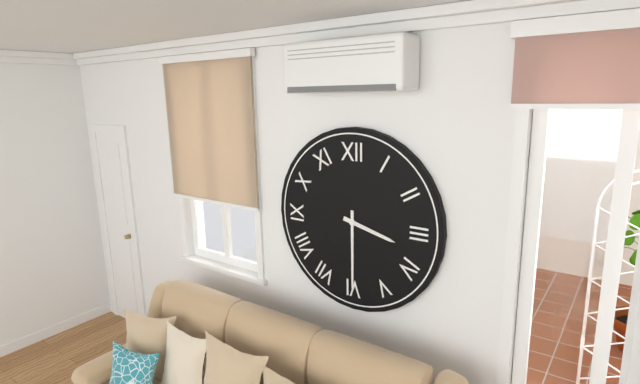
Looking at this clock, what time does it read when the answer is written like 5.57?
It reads 3.30
